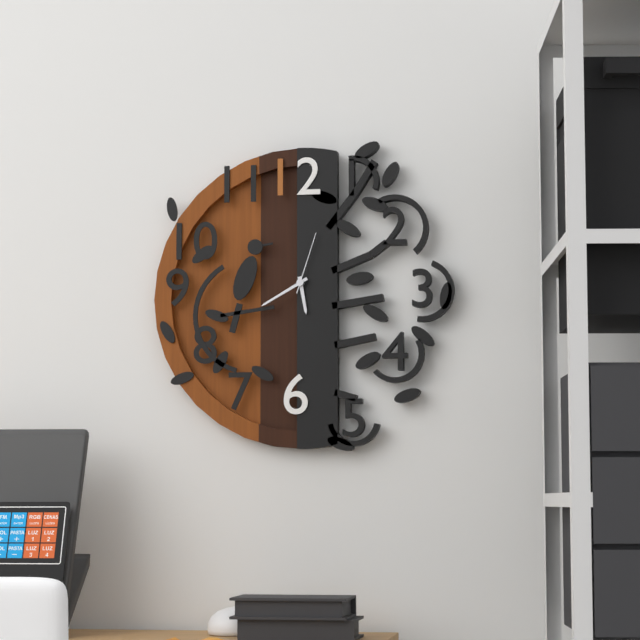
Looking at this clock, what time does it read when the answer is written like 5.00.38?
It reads 5.40.03
